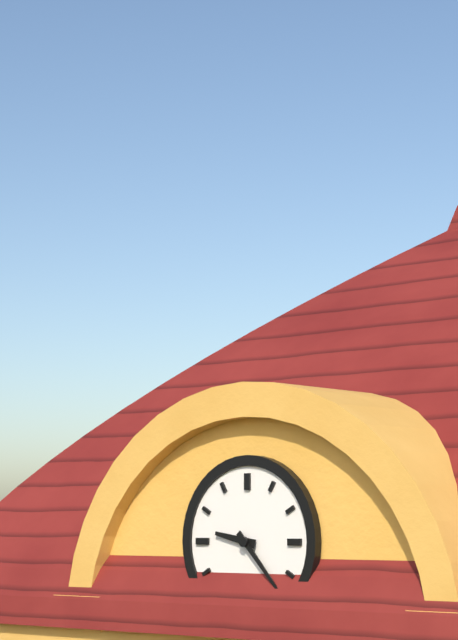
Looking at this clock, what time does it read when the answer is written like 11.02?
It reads 9.23
